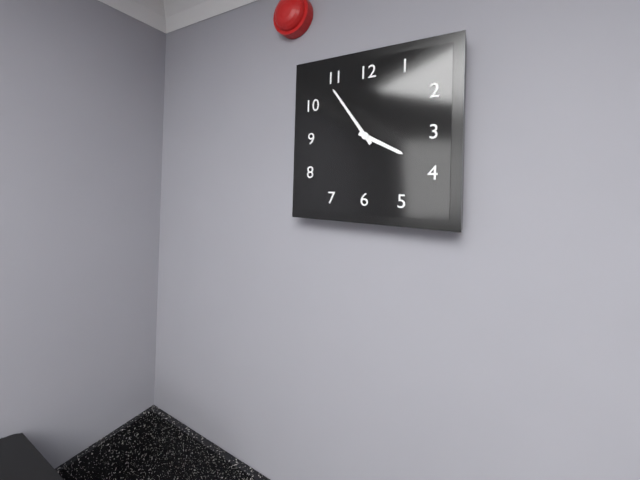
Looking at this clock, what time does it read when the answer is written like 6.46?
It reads 3.54
